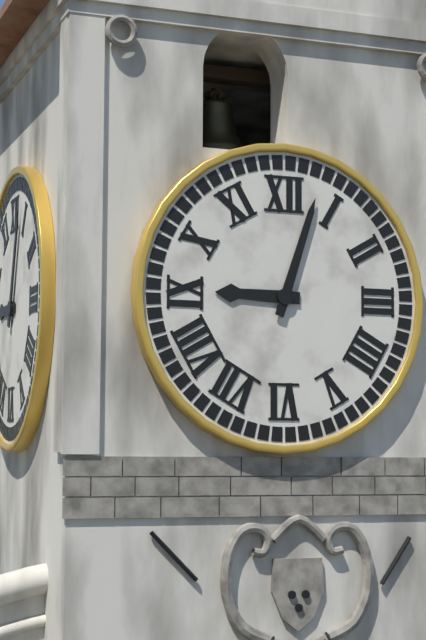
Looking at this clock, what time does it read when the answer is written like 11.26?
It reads 9.03
